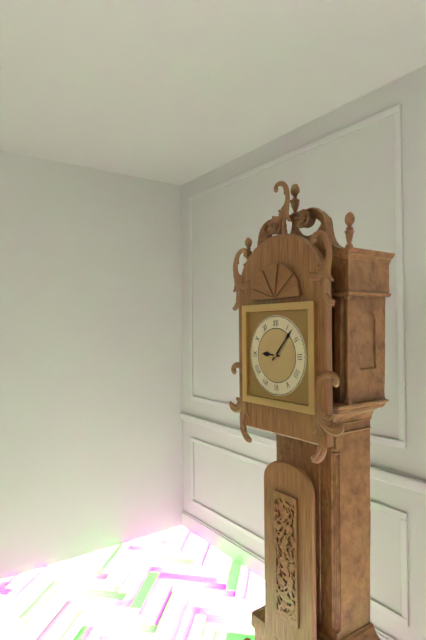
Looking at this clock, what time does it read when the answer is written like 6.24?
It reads 9.07
